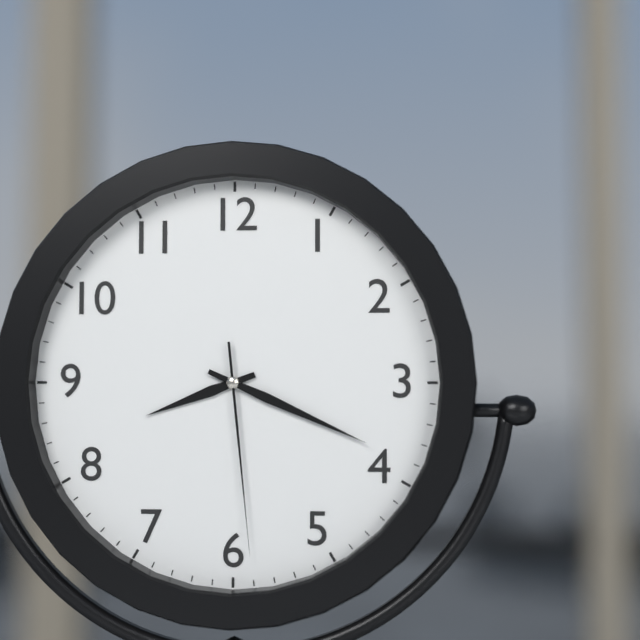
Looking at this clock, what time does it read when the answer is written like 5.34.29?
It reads 8.19.29
